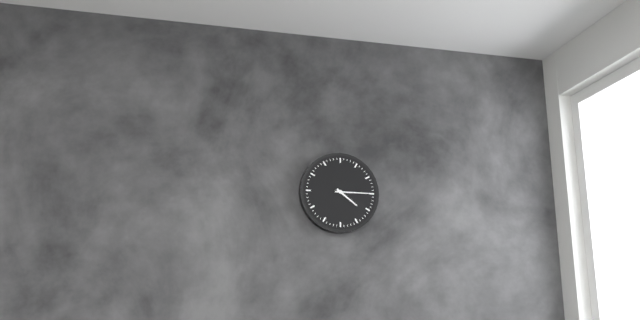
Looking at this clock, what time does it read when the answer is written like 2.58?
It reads 4.15
